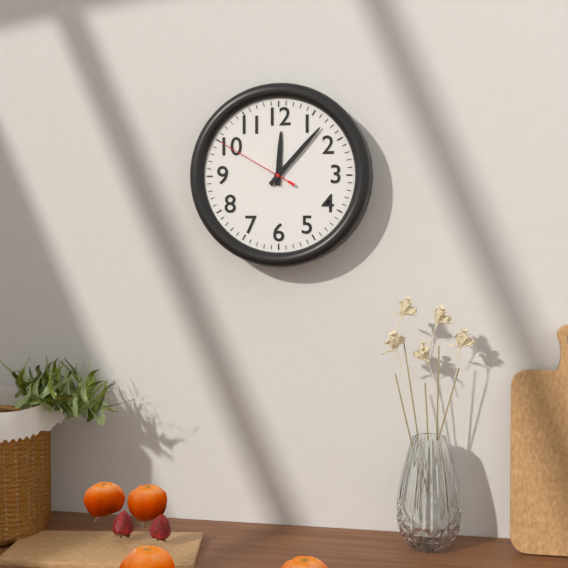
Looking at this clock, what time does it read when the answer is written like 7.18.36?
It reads 12.07.50
